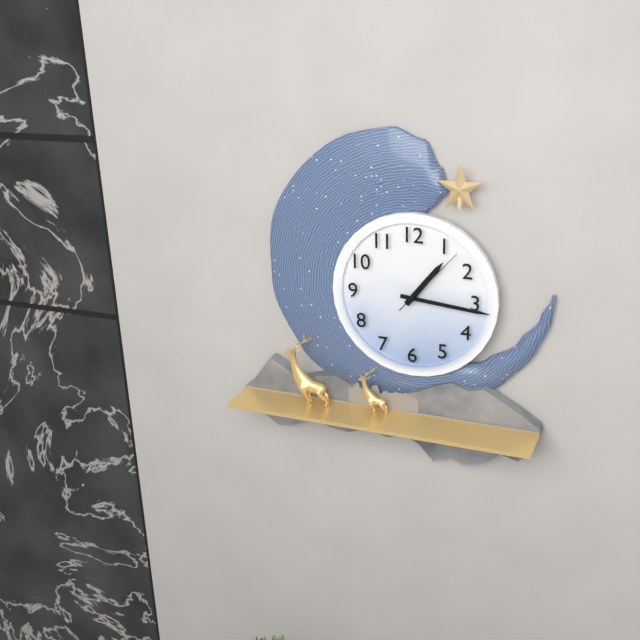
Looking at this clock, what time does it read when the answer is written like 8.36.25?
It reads 1.16.07
